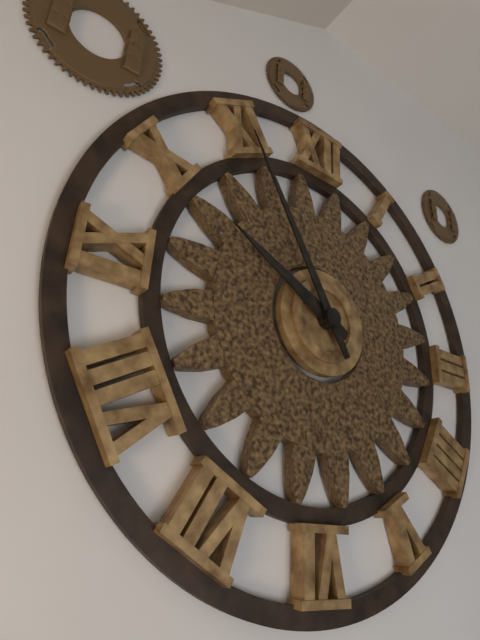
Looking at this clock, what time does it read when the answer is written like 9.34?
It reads 9.55
